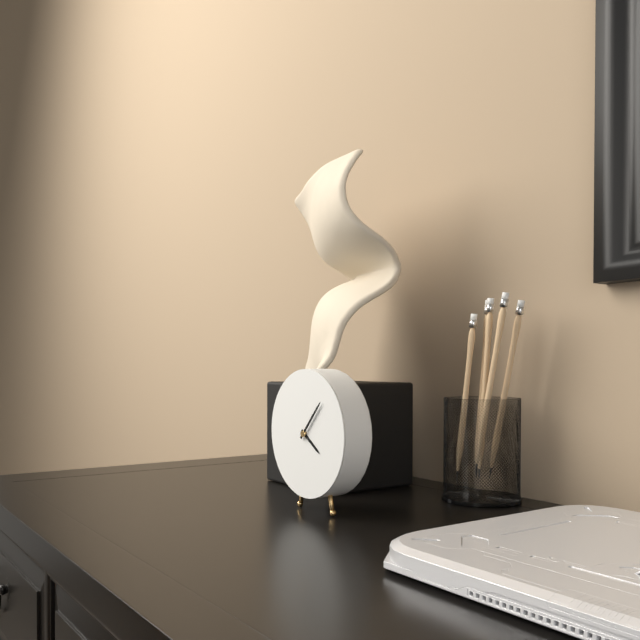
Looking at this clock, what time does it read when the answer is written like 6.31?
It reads 4.07
